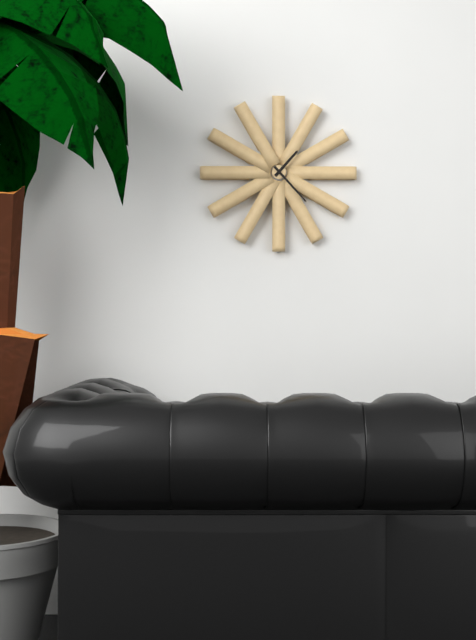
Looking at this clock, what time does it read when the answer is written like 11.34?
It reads 1.23
